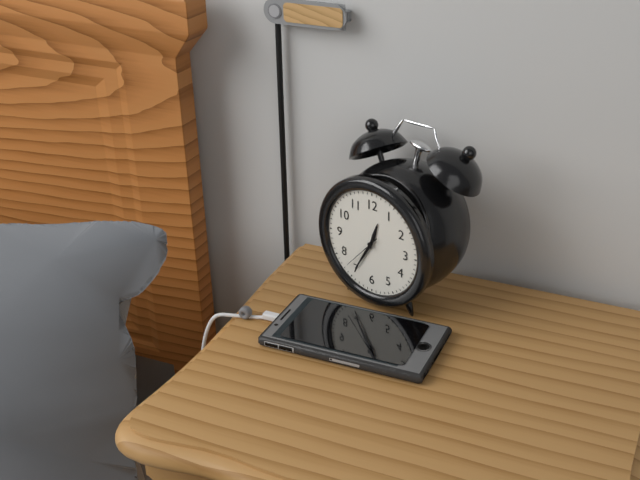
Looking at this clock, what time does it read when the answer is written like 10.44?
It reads 12.35
